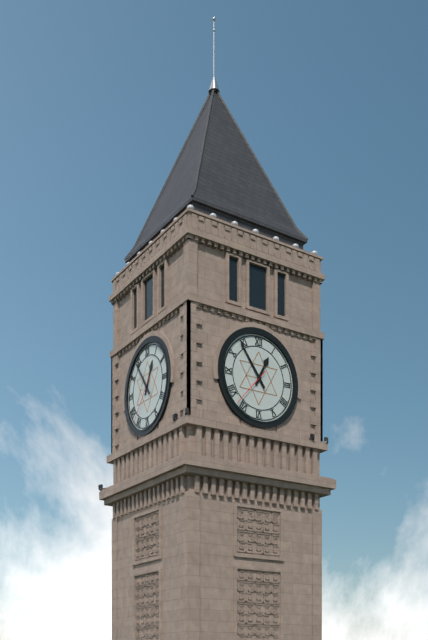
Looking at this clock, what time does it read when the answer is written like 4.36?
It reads 12.54
